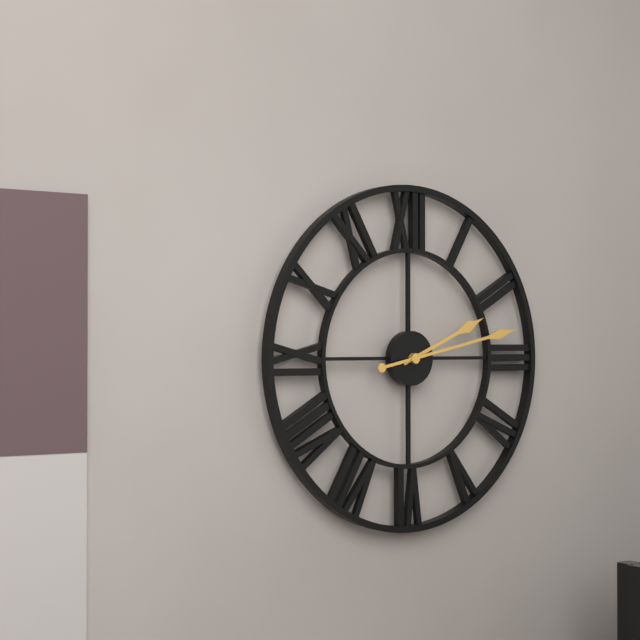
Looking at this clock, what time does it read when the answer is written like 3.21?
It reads 2.13
